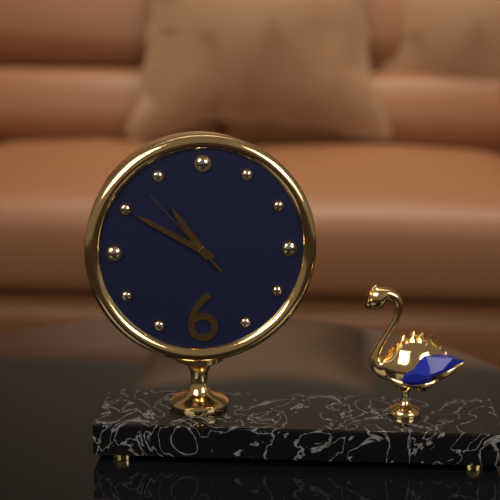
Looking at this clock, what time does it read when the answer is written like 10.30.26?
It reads 10.50.53
